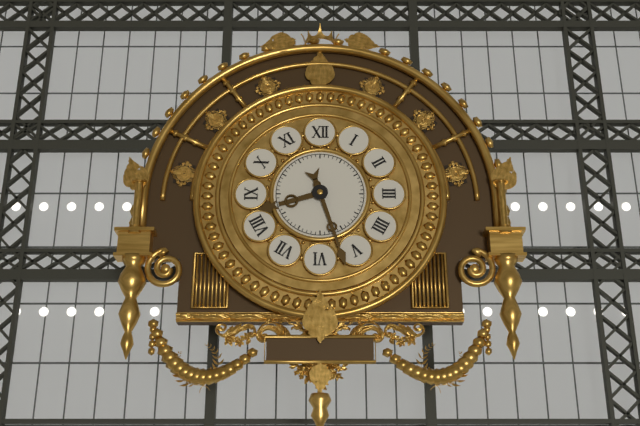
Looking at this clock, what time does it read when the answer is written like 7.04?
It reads 8.27
